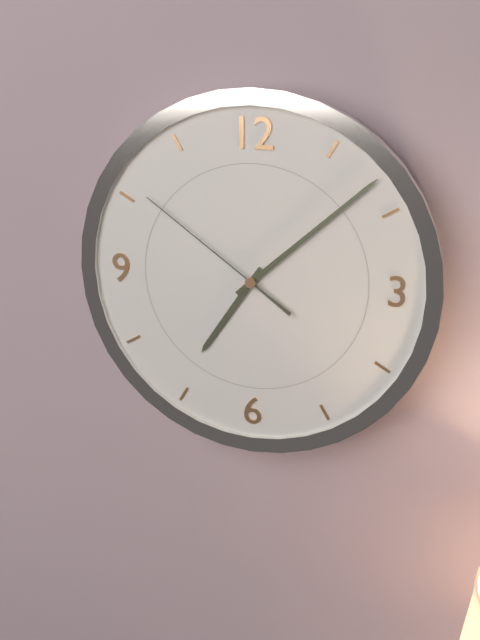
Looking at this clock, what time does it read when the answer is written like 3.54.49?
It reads 7.08.51
